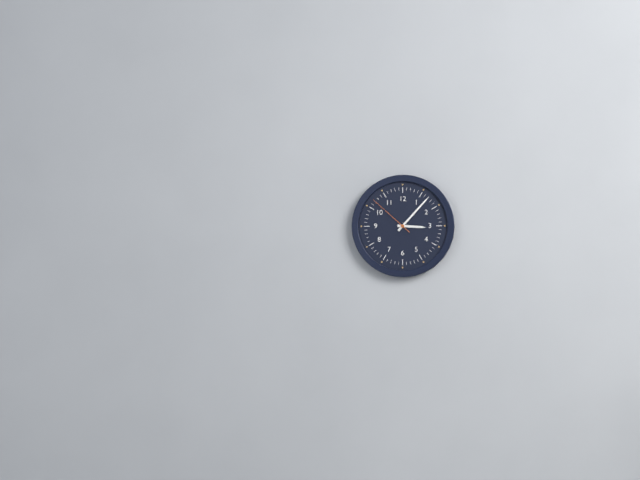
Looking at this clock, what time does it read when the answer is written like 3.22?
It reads 3.07
